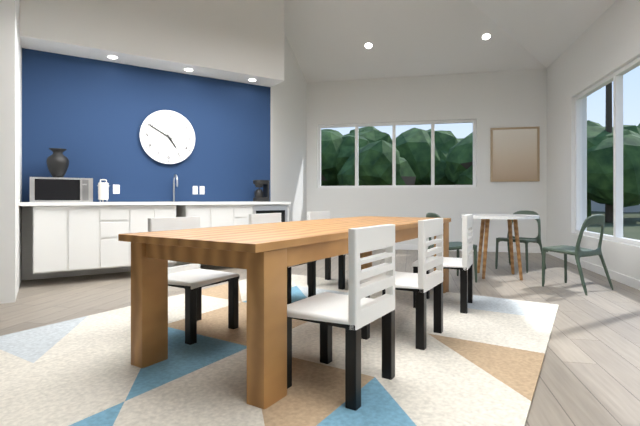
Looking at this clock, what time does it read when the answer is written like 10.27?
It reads 4.50
